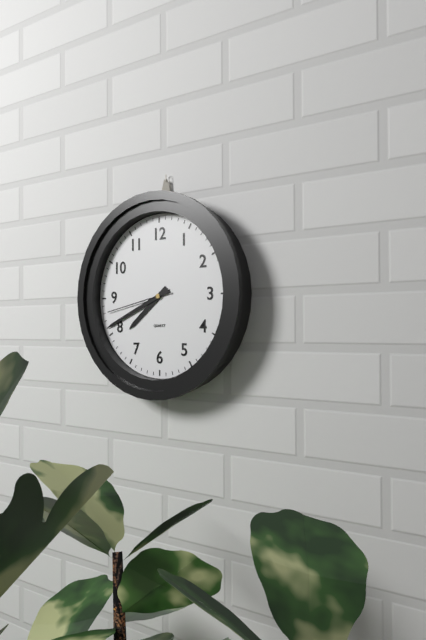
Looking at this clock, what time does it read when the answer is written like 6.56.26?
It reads 7.41.43
